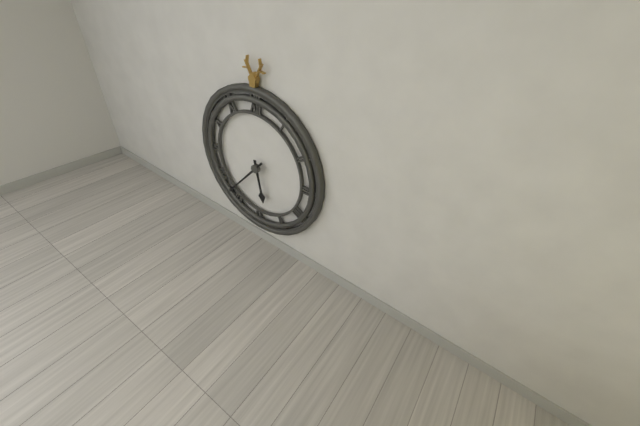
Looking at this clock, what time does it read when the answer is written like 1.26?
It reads 5.37
